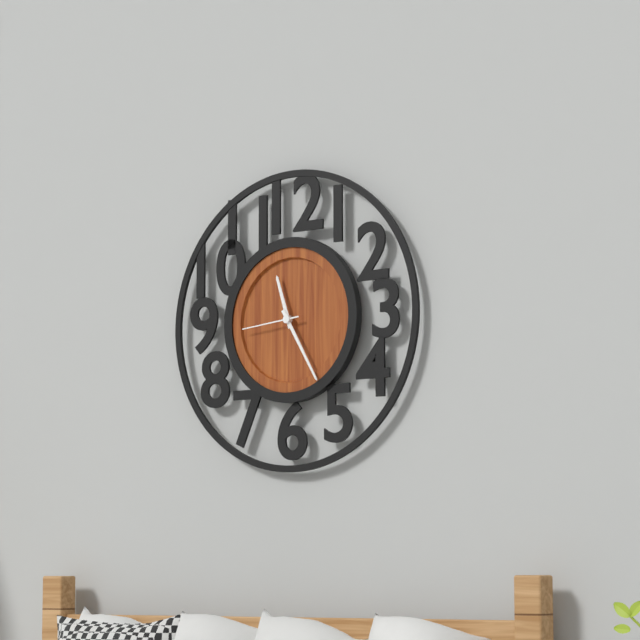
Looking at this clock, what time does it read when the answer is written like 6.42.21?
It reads 11.25.44
